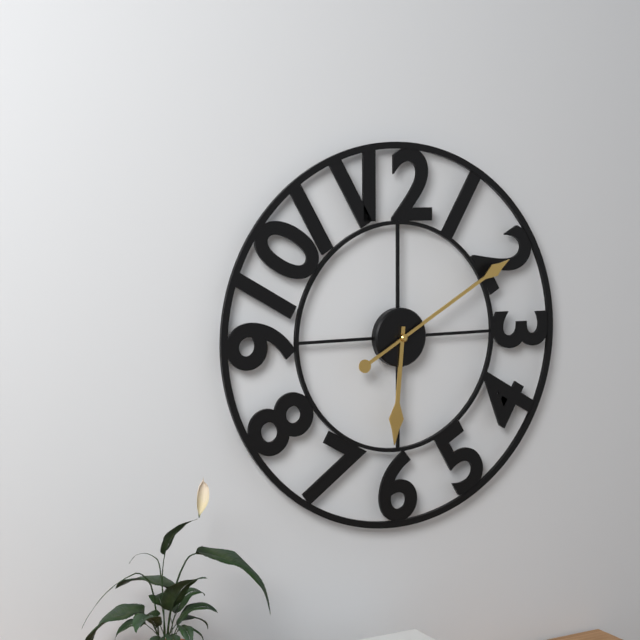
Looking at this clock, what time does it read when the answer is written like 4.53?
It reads 6.10
